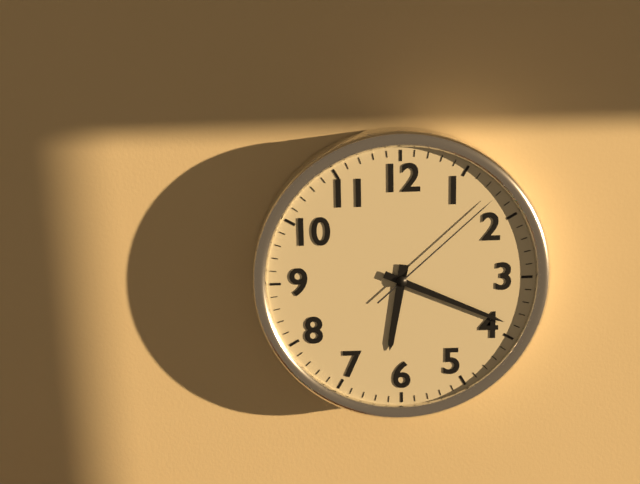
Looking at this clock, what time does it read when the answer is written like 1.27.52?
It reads 6.19.08
